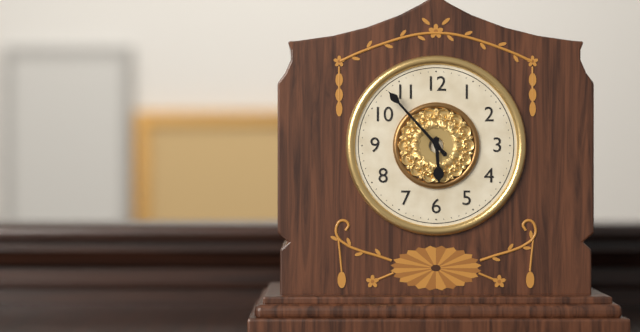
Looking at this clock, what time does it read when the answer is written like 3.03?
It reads 5.53
